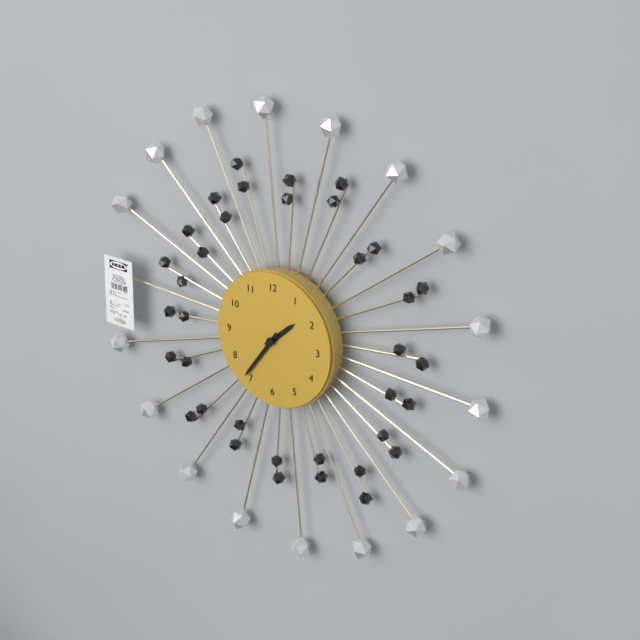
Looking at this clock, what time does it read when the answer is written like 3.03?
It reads 1.36
